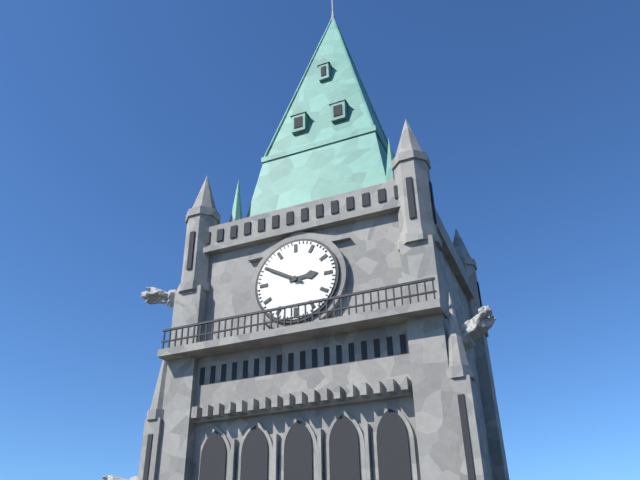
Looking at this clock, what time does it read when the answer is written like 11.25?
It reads 2.50
